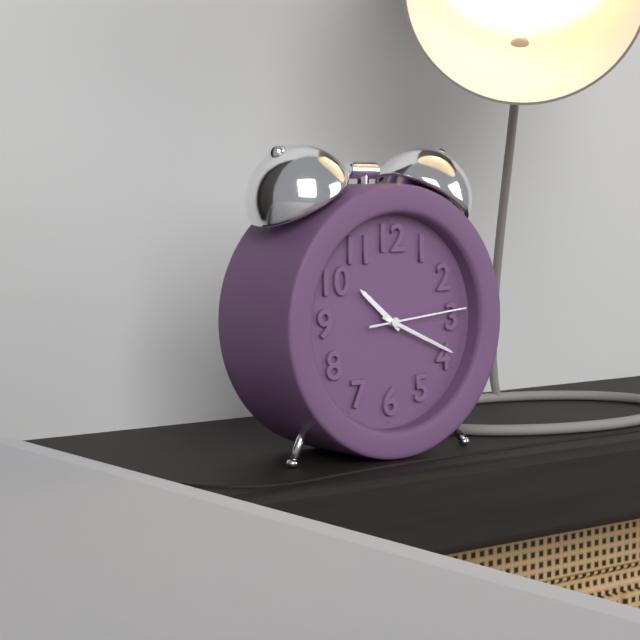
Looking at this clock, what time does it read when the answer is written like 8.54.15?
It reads 10.19.14
